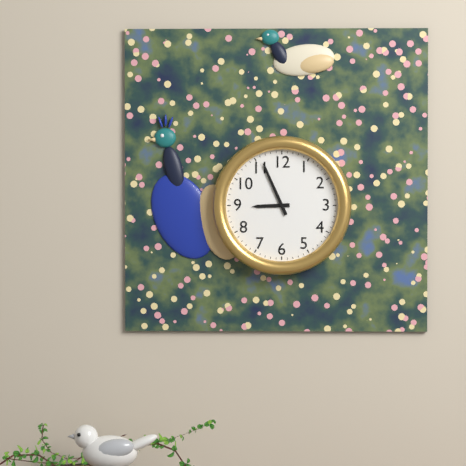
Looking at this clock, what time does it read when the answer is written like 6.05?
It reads 8.56
